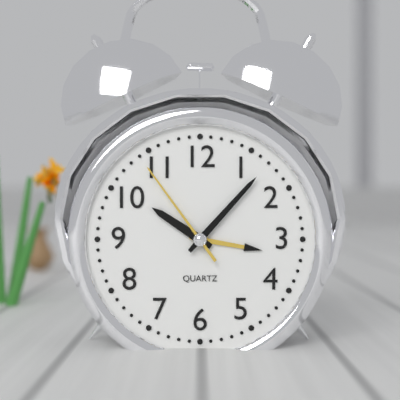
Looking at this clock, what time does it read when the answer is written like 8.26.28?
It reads 10.07.54
